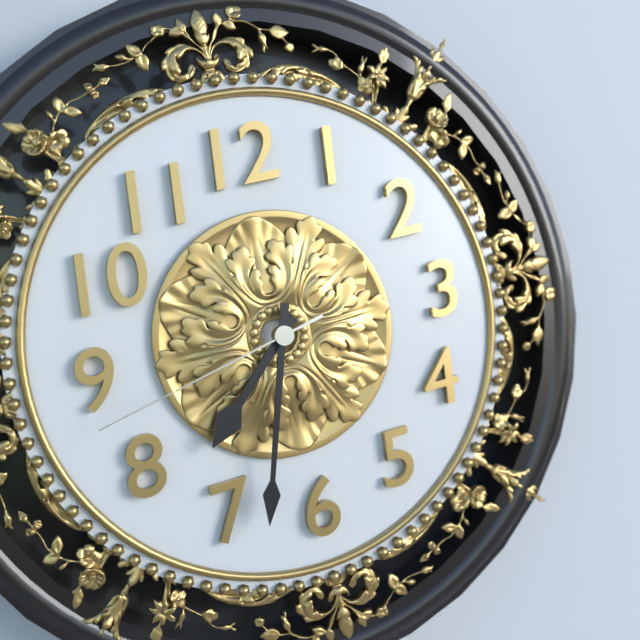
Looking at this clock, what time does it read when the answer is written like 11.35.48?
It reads 7.33.43
